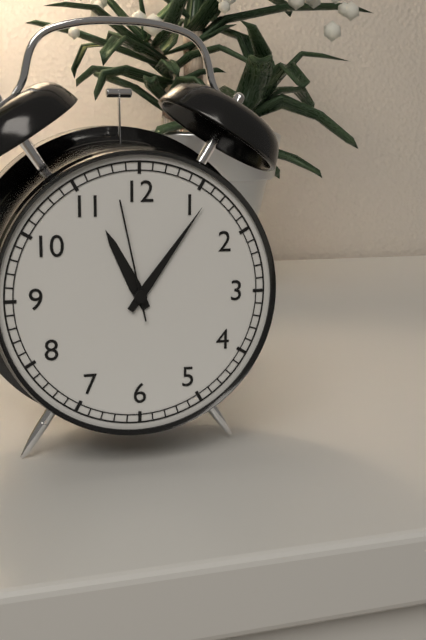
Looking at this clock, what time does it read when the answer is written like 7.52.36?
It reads 11.06.58
